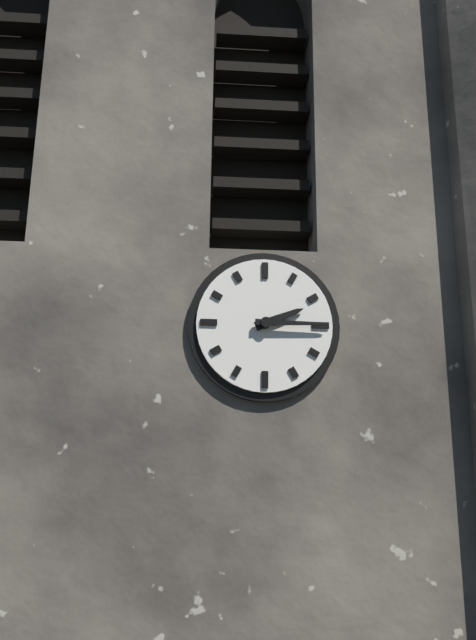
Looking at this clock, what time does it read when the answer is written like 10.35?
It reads 2.15
